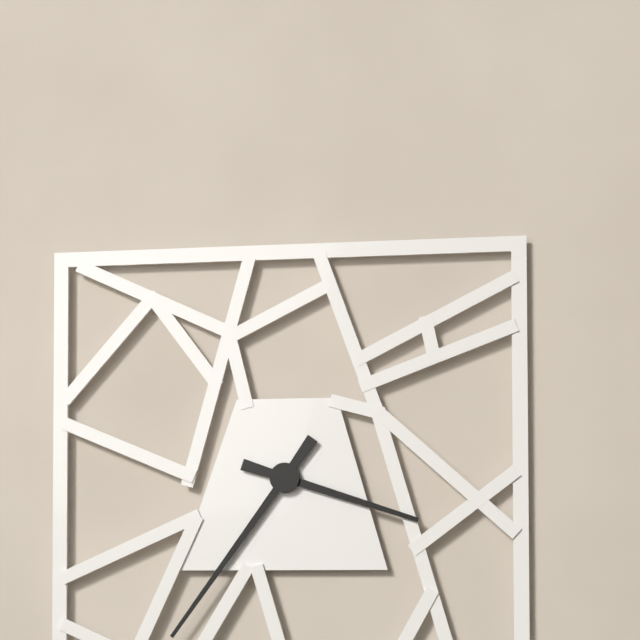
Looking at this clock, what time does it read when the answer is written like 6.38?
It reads 3.36
